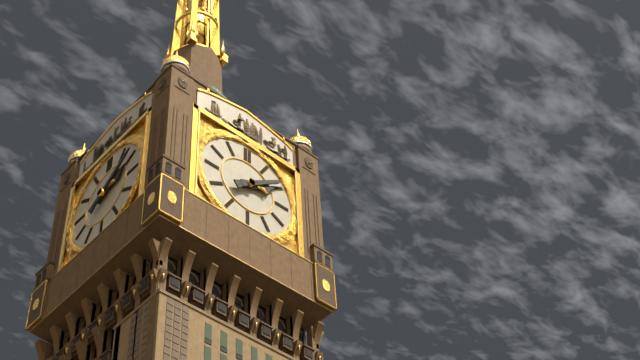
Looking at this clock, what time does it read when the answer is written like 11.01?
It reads 2.09
